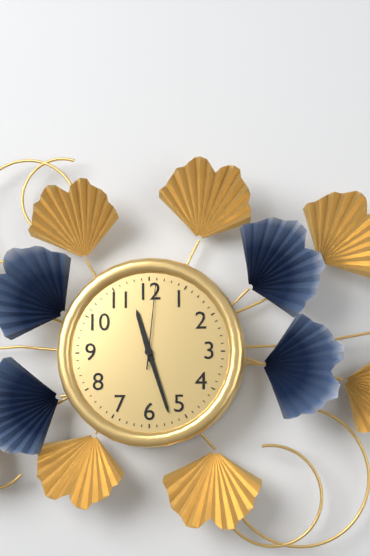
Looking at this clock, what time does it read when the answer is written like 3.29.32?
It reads 11.27.01
